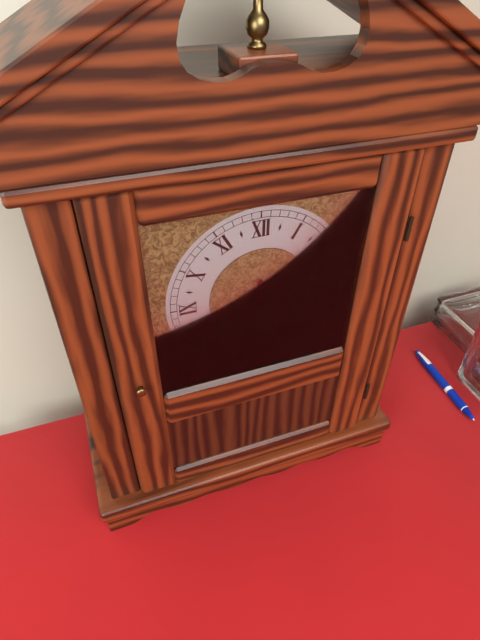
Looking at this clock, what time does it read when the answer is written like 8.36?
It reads 6.30
